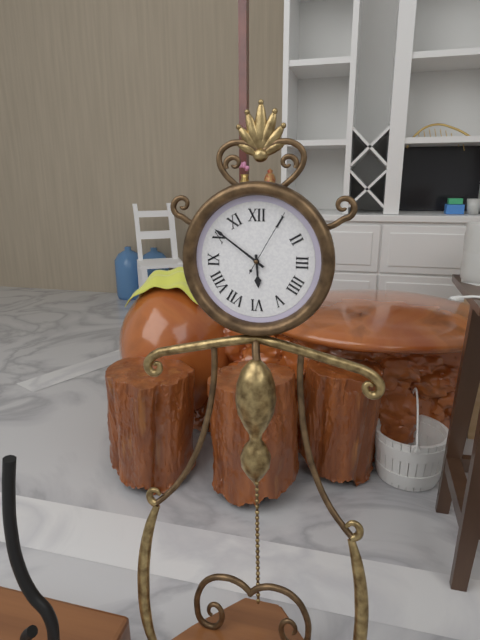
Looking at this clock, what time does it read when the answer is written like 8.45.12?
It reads 5.51.05
